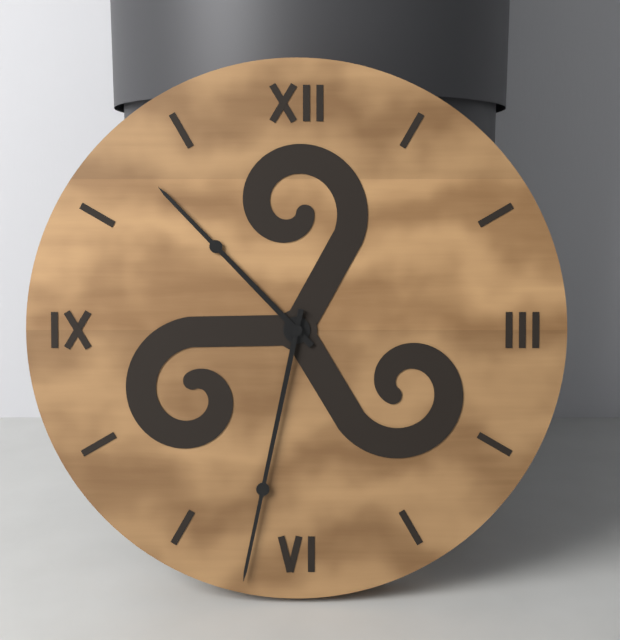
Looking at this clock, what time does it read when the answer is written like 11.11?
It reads 10.32
